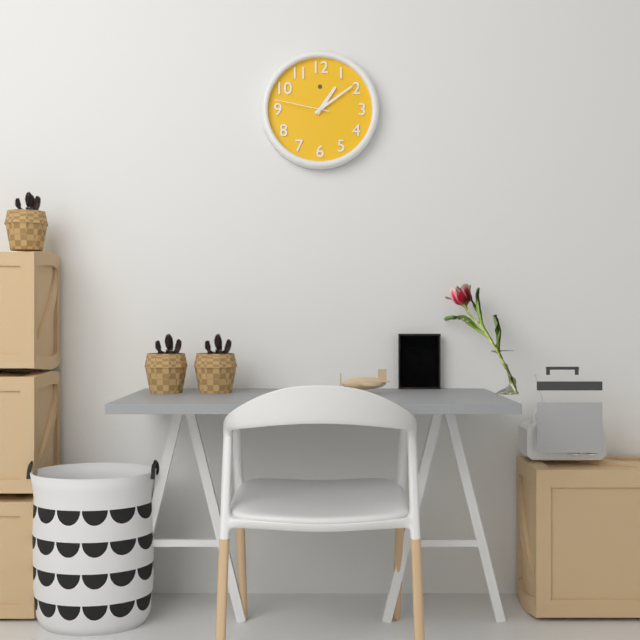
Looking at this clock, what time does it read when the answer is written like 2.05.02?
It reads 1.09.47
